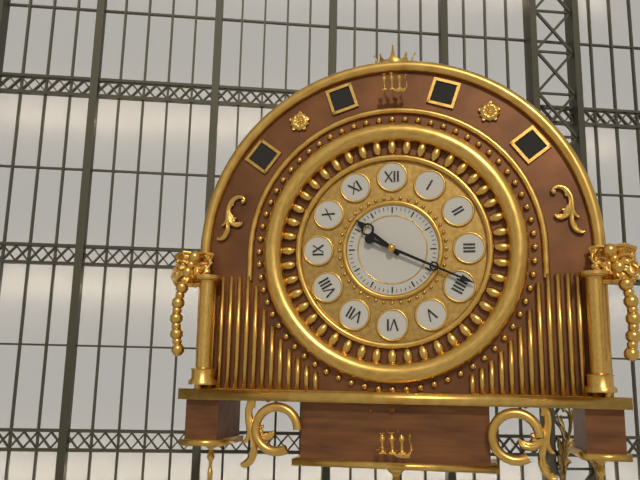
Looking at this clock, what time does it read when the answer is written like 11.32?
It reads 10.19
